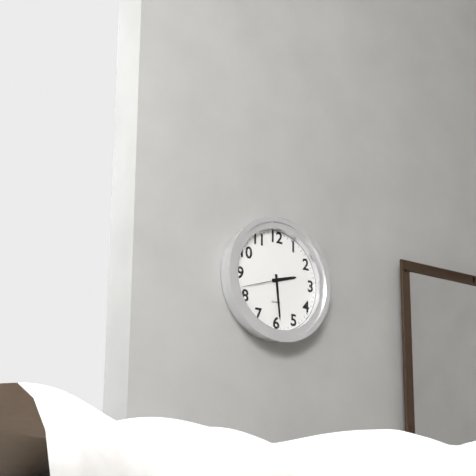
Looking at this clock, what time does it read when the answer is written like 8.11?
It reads 2.29
